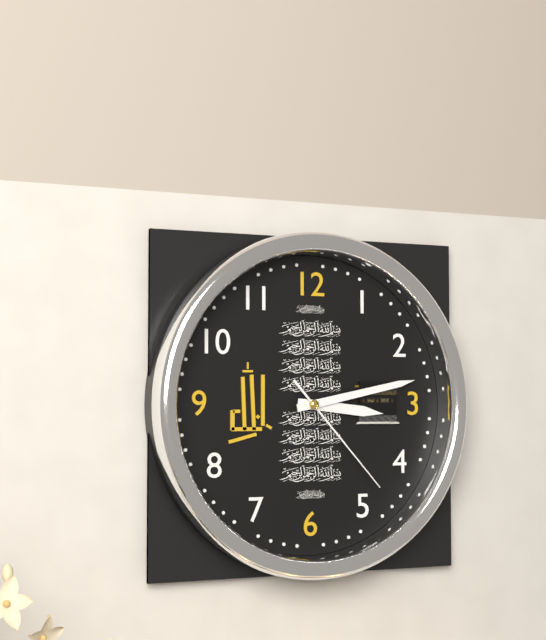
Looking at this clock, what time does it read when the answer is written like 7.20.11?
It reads 3.13.23
